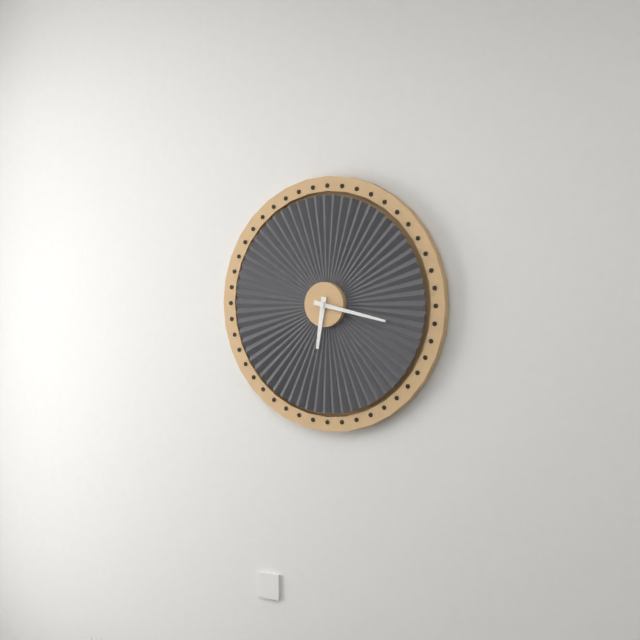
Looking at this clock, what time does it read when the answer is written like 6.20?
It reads 6.17
